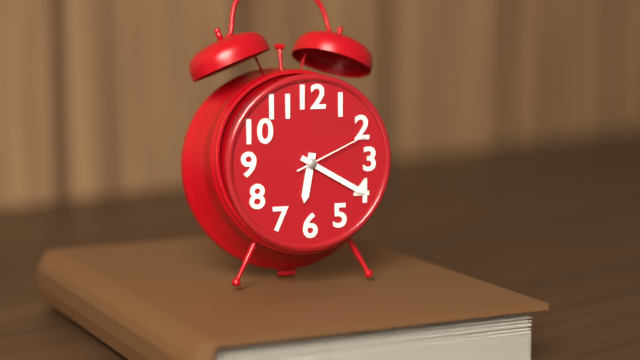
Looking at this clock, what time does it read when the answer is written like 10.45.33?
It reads 6.20.11
